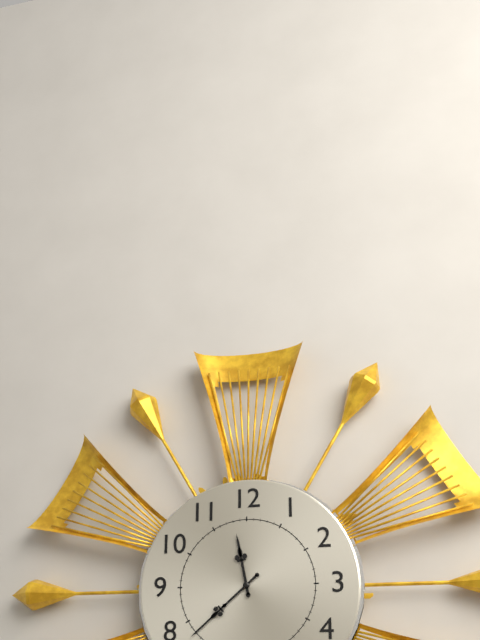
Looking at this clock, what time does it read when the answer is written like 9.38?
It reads 11.38
